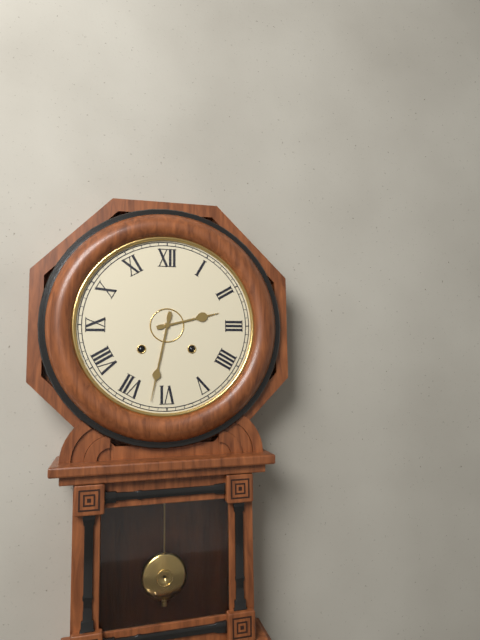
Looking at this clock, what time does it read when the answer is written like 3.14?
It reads 2.32
